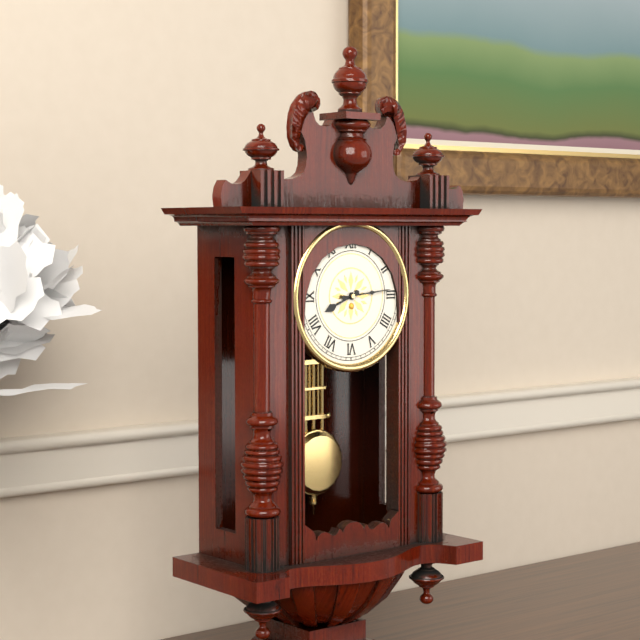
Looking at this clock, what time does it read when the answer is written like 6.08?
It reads 8.14
